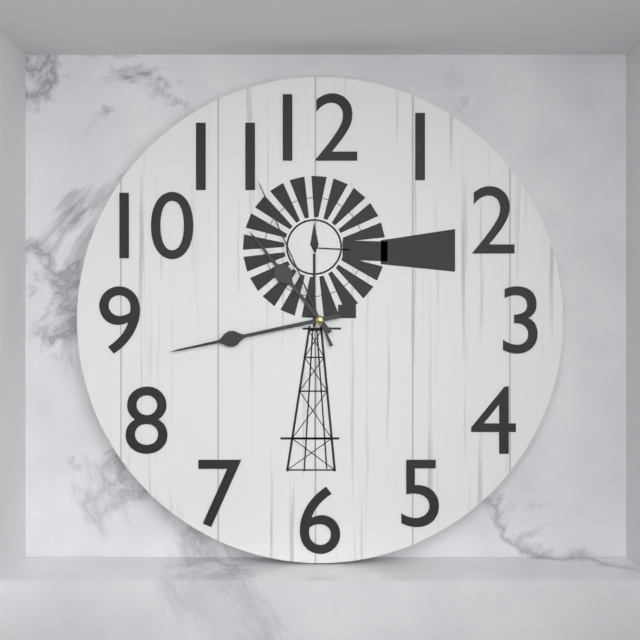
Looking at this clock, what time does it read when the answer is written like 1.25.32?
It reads 10.43.56
